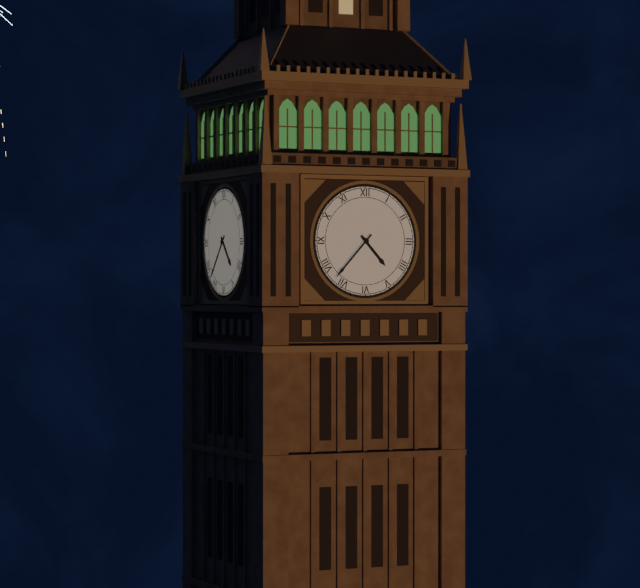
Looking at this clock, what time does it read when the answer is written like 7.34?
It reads 4.37
